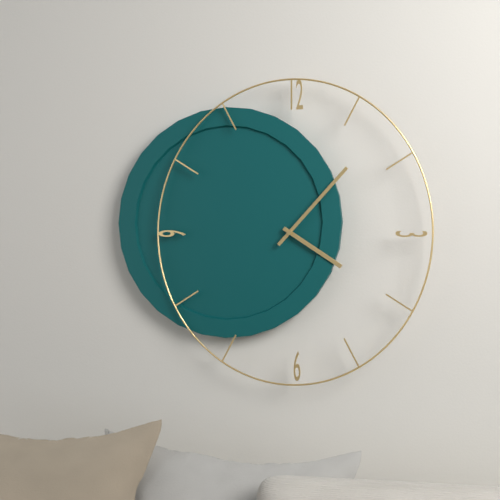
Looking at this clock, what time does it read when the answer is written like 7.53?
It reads 4.07
